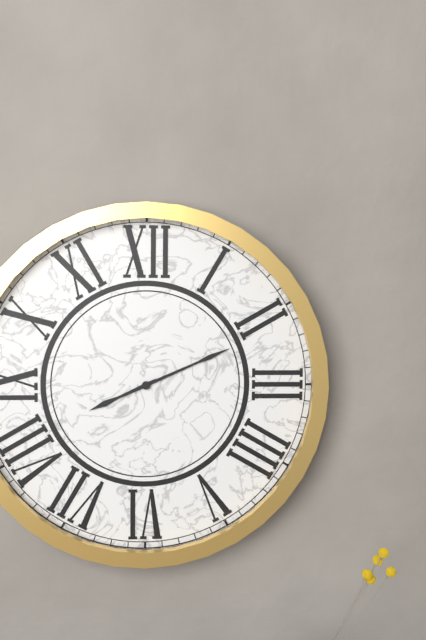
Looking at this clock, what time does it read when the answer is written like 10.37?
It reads 8.11
